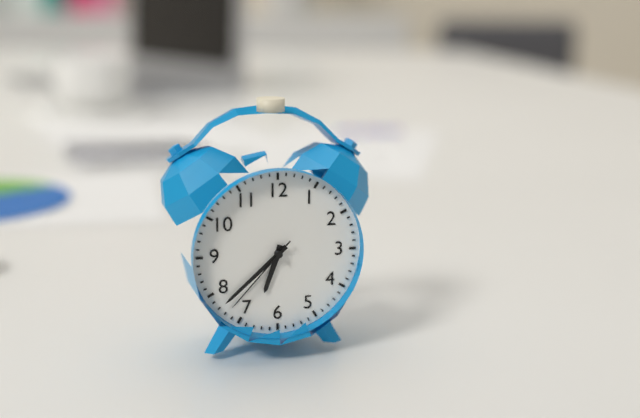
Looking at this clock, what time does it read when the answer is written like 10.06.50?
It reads 6.38.37
